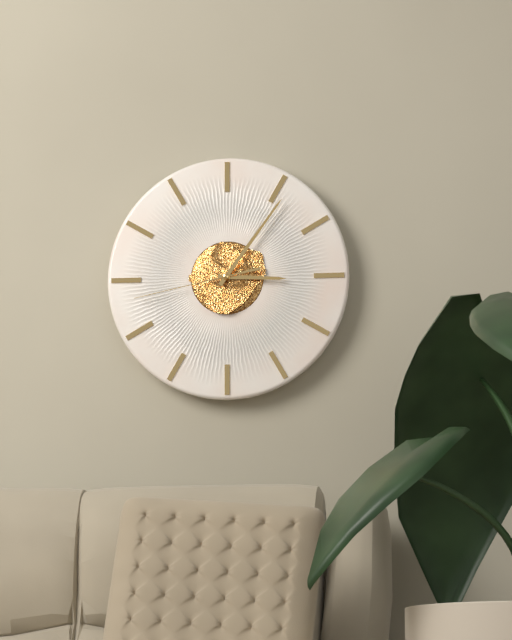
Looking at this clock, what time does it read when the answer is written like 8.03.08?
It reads 3.06.43
